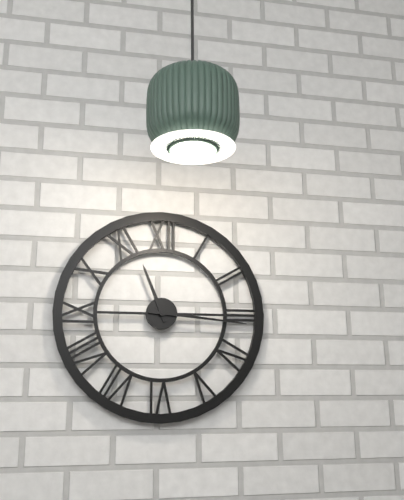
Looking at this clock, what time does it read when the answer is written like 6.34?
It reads 11.16
